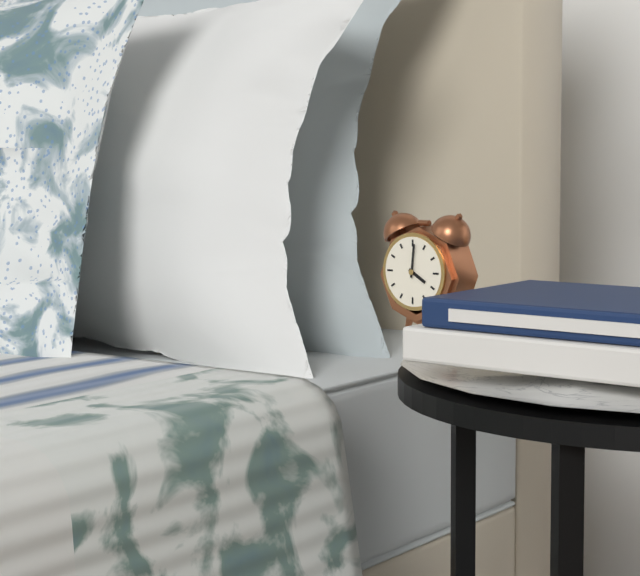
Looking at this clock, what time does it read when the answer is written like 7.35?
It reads 4.01
